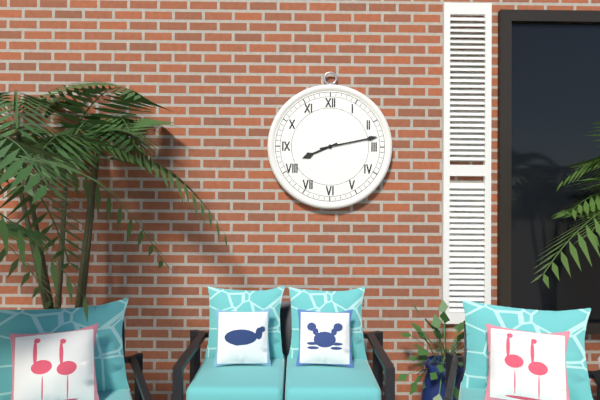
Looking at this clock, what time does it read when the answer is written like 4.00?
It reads 8.13
